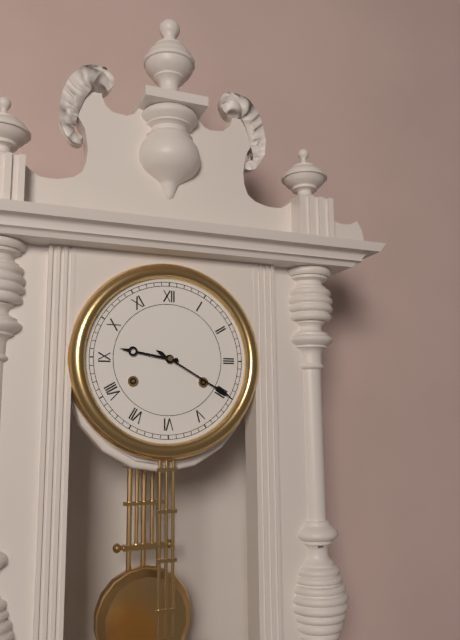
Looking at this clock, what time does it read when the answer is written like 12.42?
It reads 9.20
